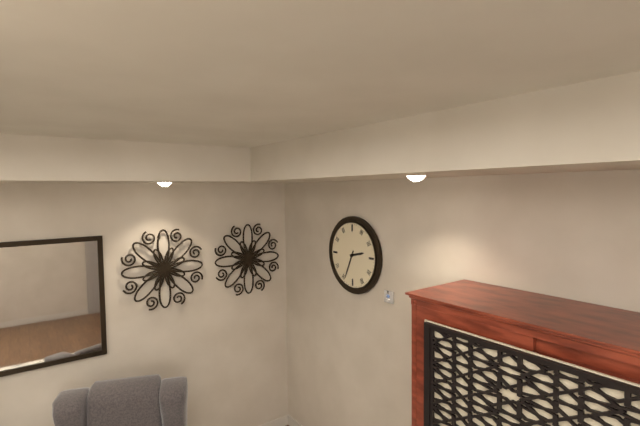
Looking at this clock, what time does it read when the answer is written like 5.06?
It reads 2.34
